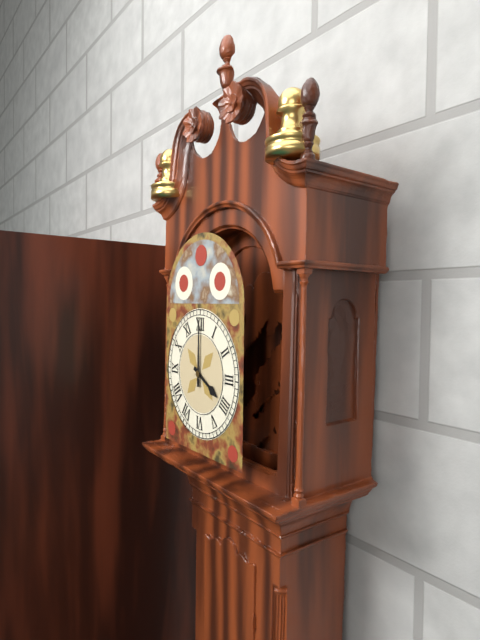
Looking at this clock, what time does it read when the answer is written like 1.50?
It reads 4.00
